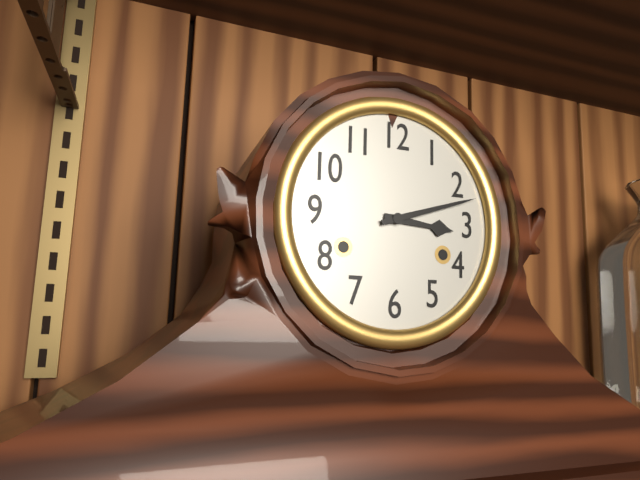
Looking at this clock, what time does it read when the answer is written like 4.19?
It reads 3.12
